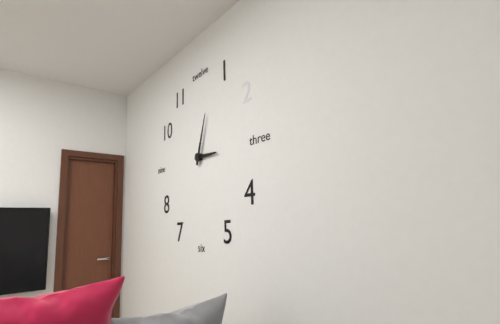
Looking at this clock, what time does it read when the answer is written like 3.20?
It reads 3.03
